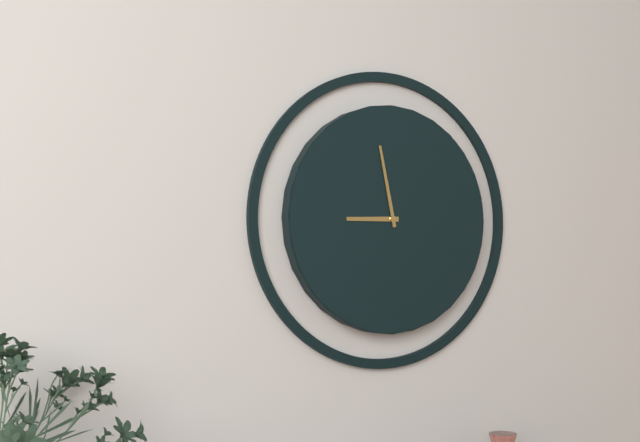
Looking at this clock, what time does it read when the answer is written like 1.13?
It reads 8.58
